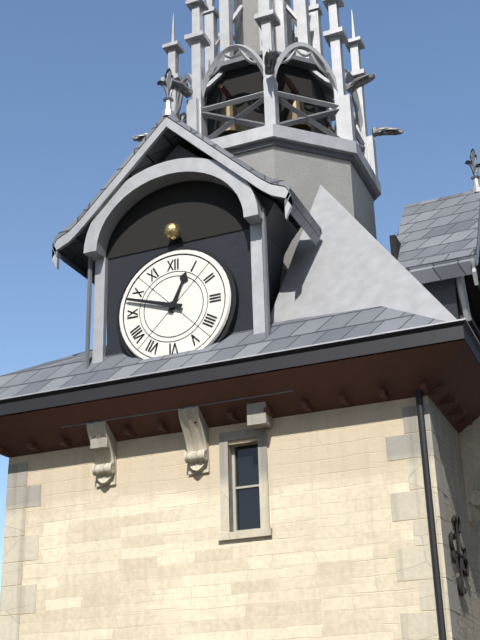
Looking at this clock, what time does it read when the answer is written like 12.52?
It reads 12.48
